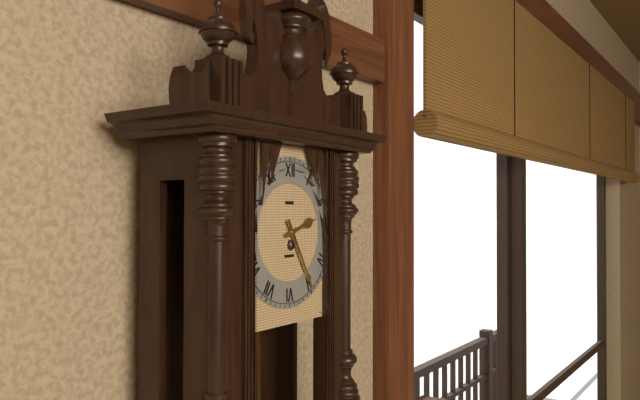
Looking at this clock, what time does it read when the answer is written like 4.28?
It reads 2.25
